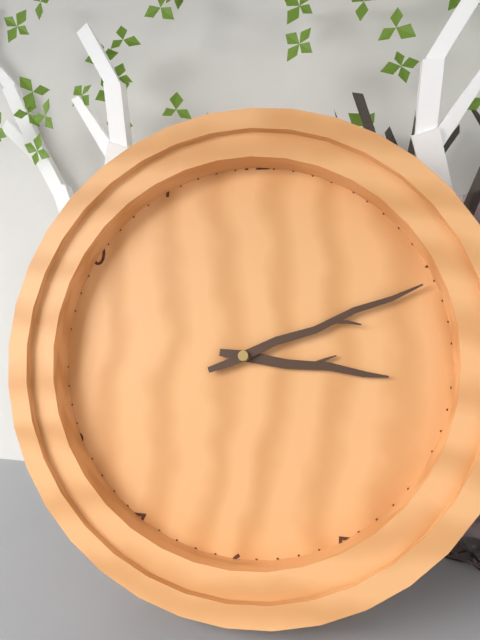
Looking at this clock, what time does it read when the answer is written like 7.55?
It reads 3.11
